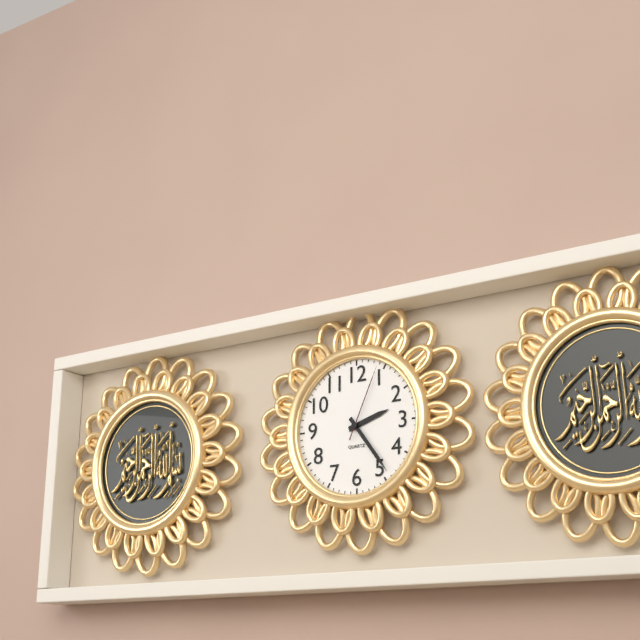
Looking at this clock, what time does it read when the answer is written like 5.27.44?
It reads 2.24.04
